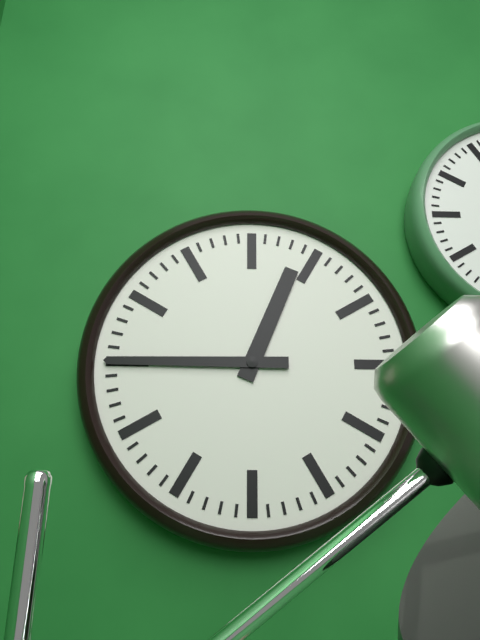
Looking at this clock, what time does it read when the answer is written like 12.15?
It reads 12.45
